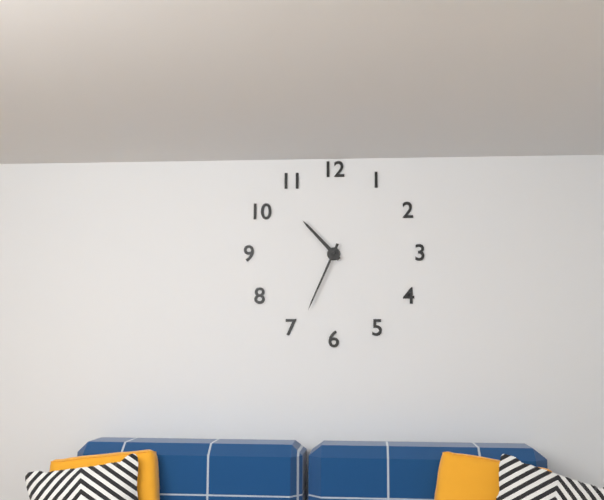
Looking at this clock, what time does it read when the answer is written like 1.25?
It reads 10.34
